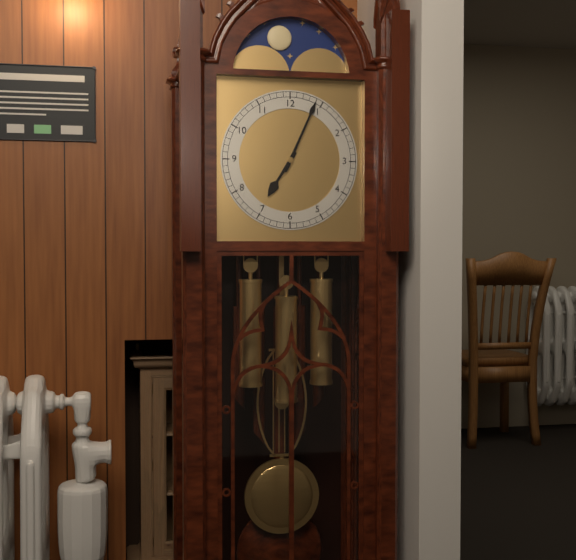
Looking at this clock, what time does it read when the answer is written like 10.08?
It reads 7.04
